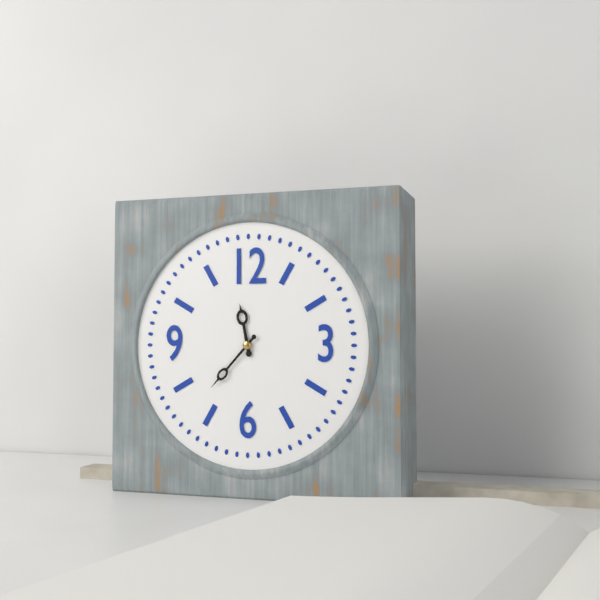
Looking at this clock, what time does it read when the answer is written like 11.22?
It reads 11.37
